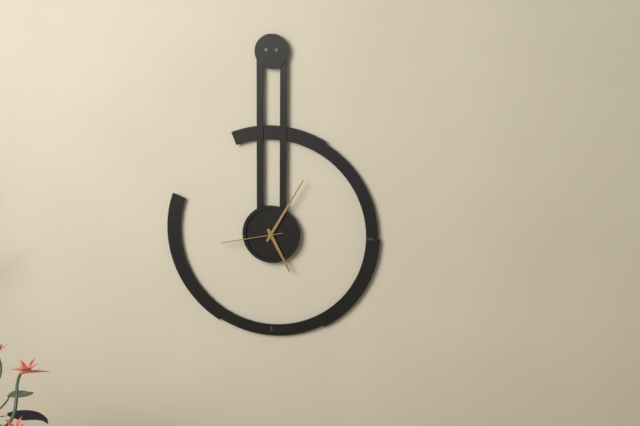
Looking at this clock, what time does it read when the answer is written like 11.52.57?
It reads 5.05.43
